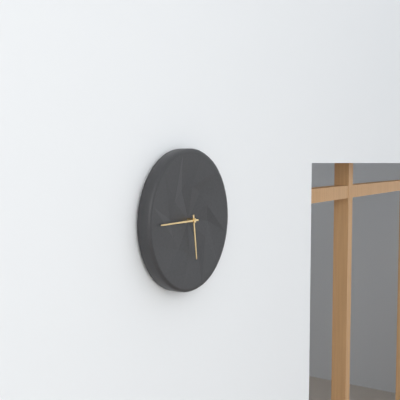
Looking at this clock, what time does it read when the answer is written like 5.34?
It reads 5.45
